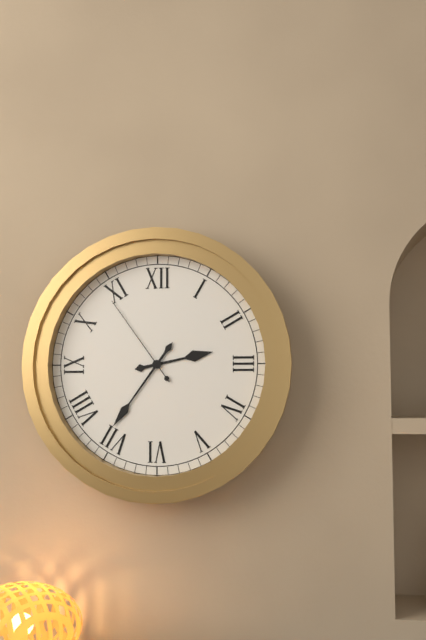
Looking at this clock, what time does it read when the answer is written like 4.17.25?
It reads 2.36.54
